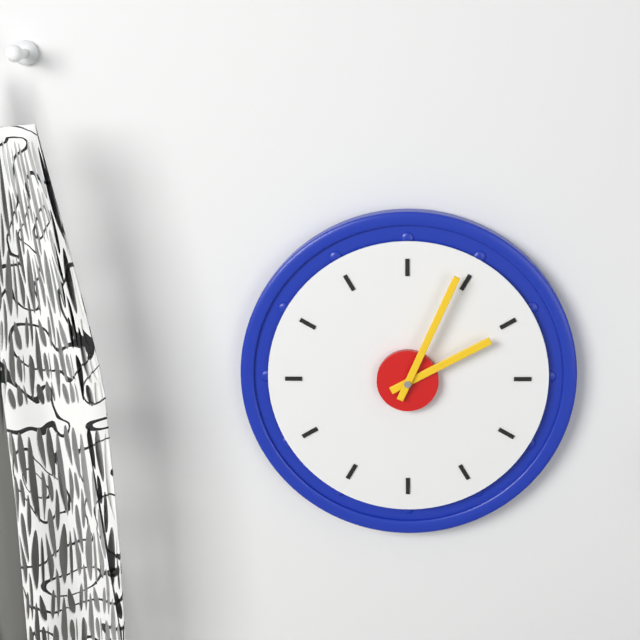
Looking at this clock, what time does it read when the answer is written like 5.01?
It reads 2.04
